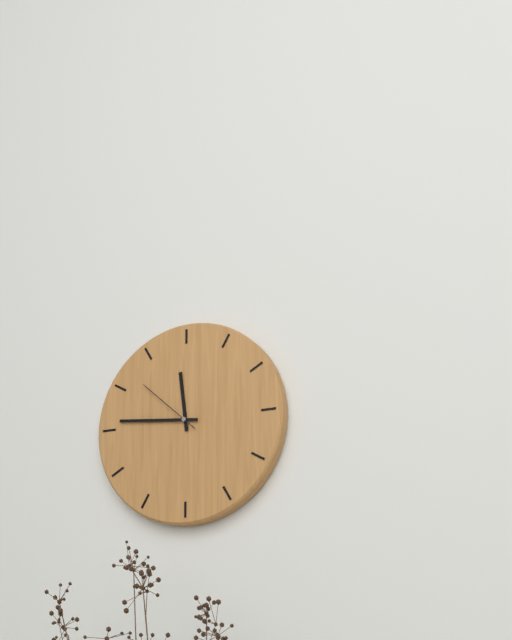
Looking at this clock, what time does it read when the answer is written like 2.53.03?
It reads 11.46.52
